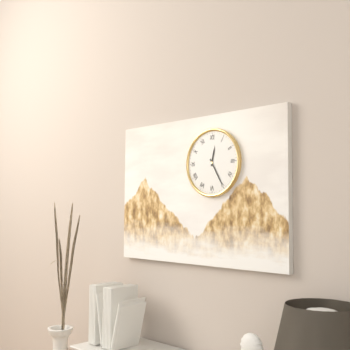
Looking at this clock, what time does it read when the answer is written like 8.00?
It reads 12.25
